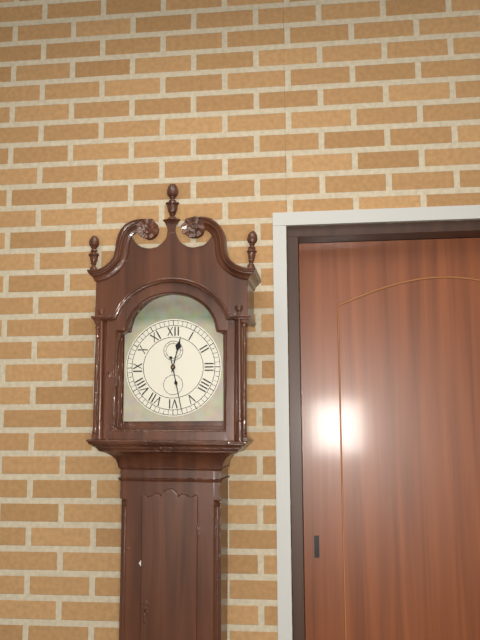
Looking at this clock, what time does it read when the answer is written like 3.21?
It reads 12.28
